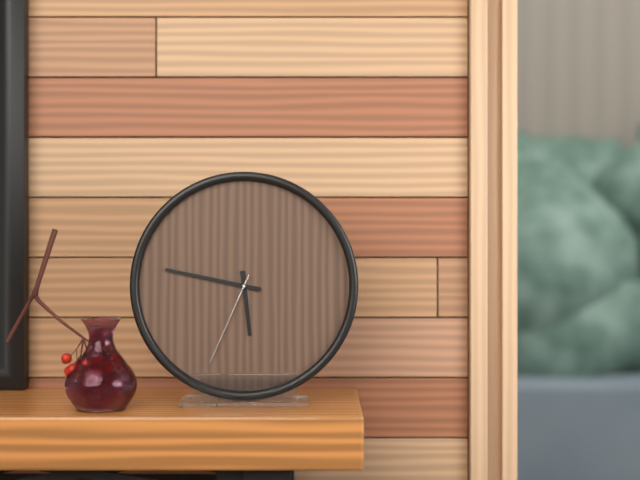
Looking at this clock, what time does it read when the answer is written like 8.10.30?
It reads 5.47.34
